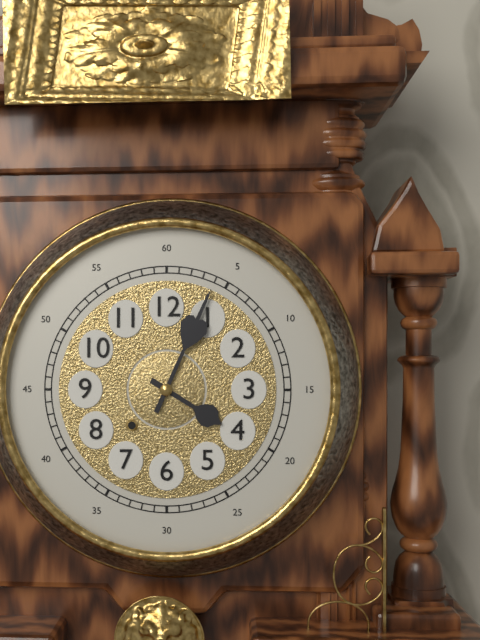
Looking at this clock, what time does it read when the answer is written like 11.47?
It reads 4.04
